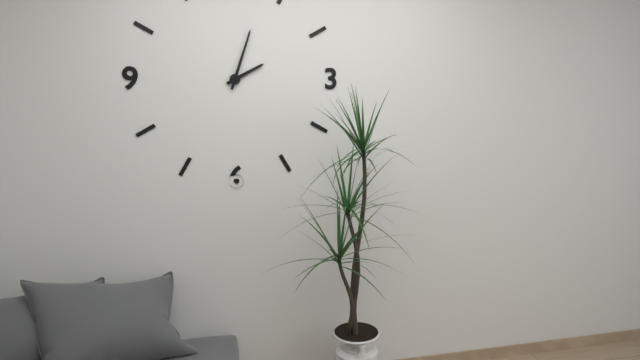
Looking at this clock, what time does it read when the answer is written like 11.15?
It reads 2.03
